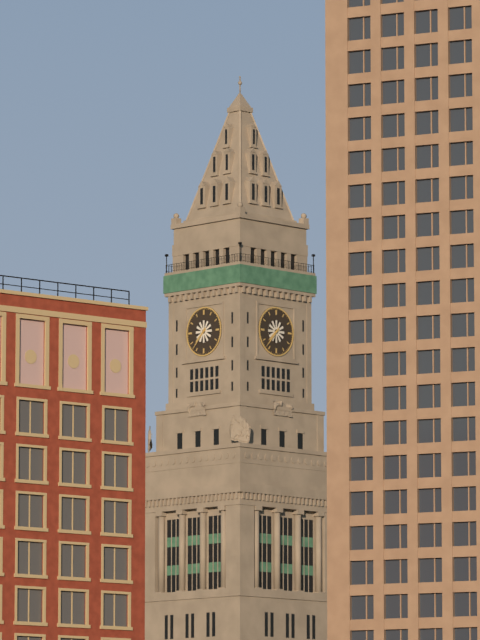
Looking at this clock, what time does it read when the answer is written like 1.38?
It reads 7.37
